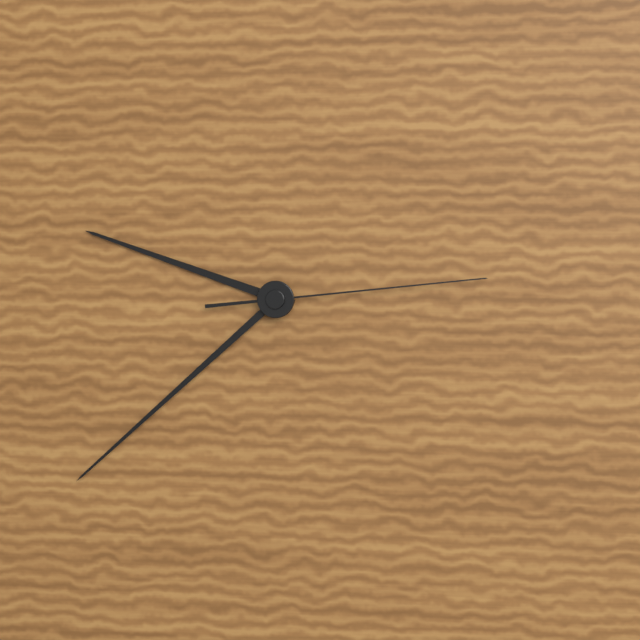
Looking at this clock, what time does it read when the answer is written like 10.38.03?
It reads 9.38.14
